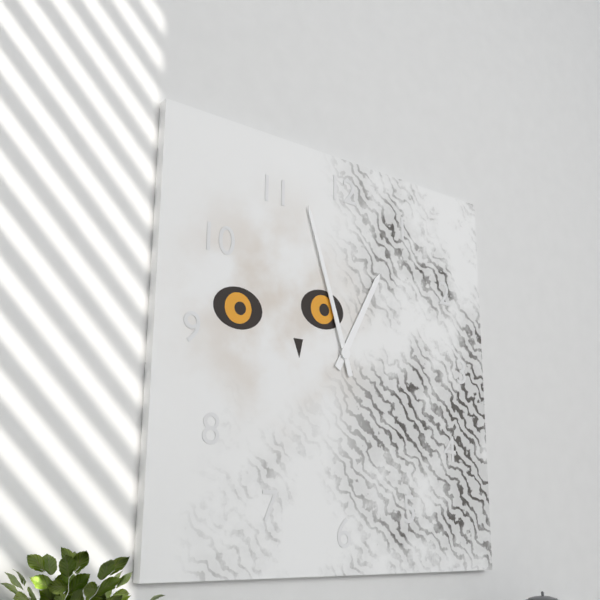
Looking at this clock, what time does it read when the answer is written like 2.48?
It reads 12.57
